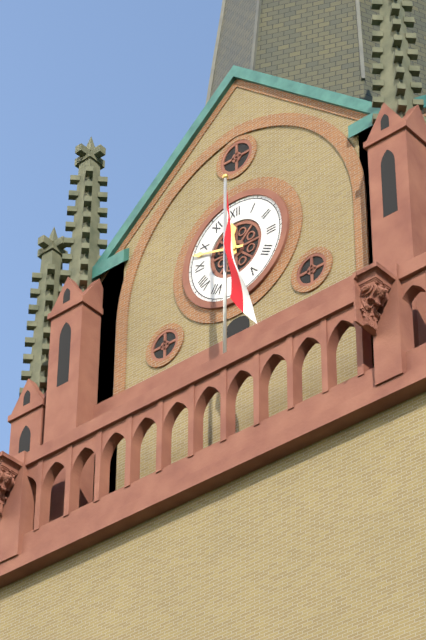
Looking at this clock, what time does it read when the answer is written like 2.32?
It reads 11.48
